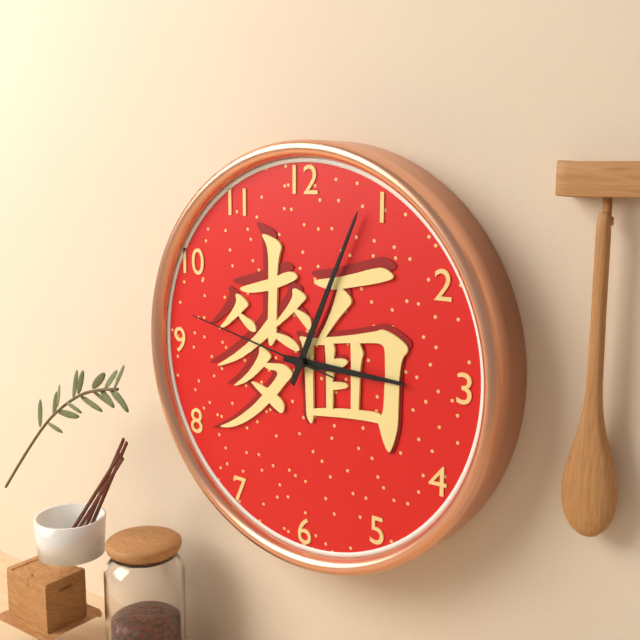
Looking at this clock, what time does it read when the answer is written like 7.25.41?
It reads 3.04.47
